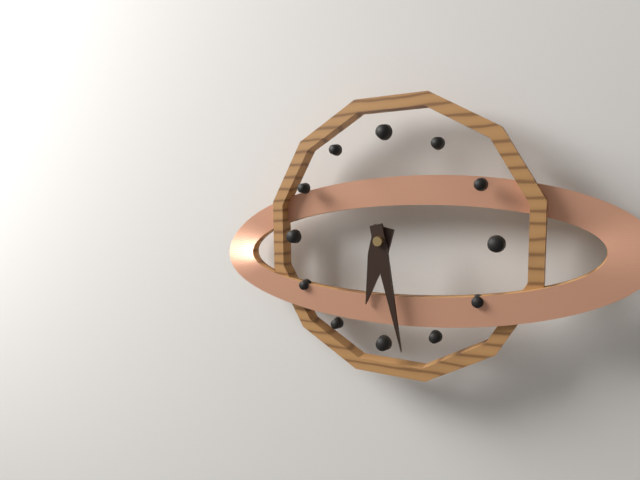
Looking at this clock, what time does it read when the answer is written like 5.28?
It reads 6.28
